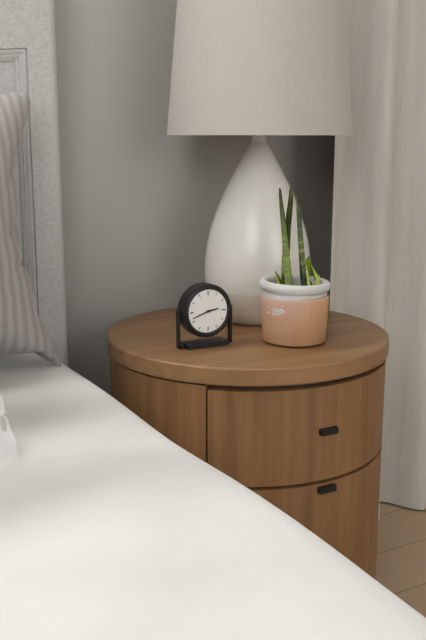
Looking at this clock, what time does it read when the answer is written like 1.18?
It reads 2.42
